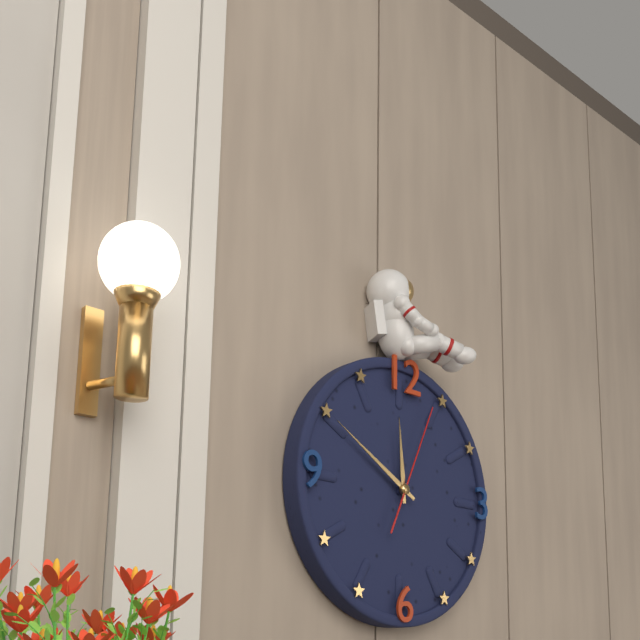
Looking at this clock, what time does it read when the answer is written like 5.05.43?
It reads 11.50.04
